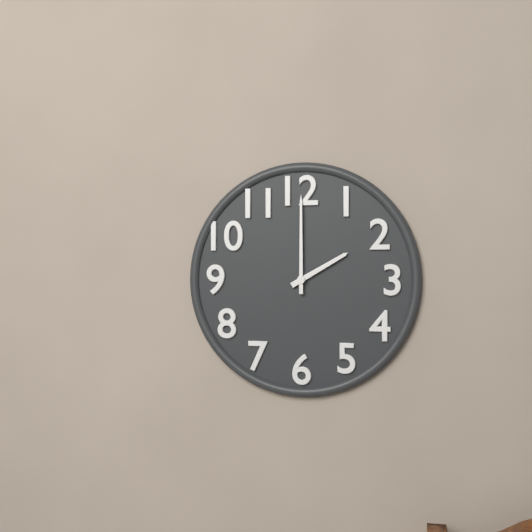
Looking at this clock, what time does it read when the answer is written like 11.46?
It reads 2.00
